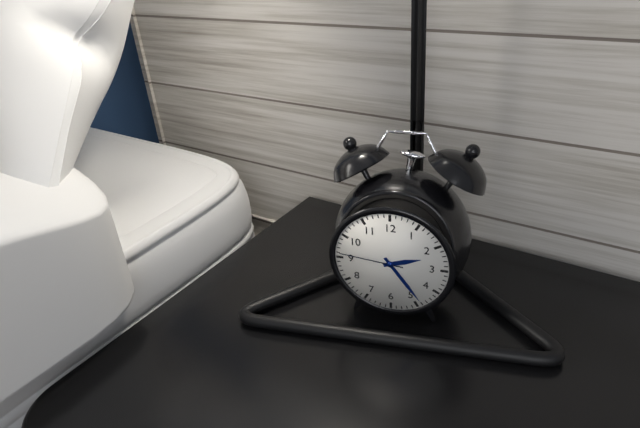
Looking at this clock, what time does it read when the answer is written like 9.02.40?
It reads 2.24.46
